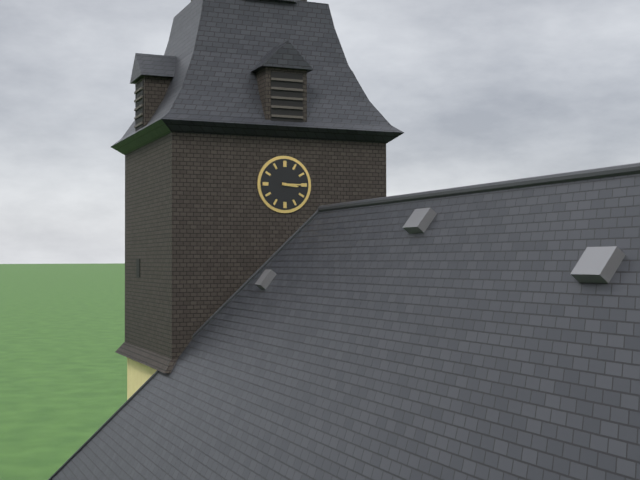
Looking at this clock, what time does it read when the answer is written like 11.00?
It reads 3.15
